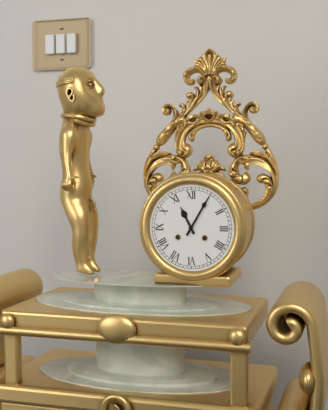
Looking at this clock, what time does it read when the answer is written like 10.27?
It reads 11.05
